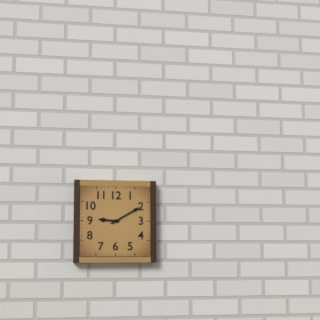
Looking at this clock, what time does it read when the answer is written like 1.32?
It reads 9.10
